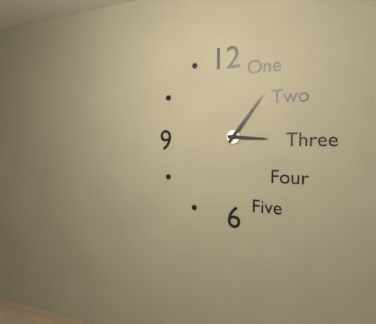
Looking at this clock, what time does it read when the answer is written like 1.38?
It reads 3.06
